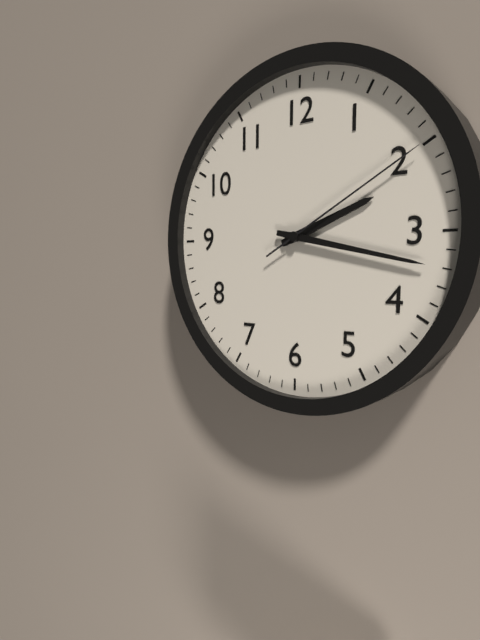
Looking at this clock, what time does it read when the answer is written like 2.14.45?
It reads 2.17.10
